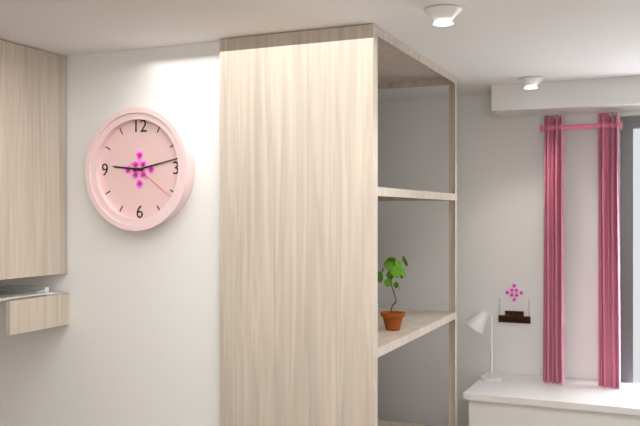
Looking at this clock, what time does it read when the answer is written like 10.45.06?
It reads 9.13.21
